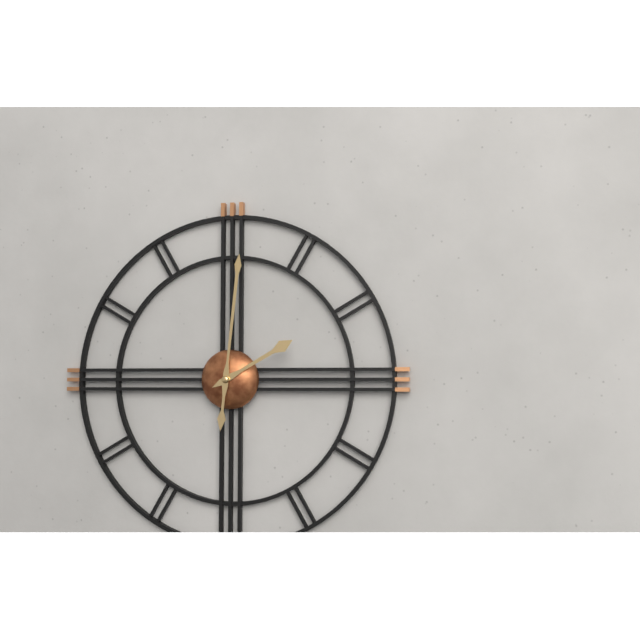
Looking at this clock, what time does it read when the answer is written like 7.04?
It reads 2.01
